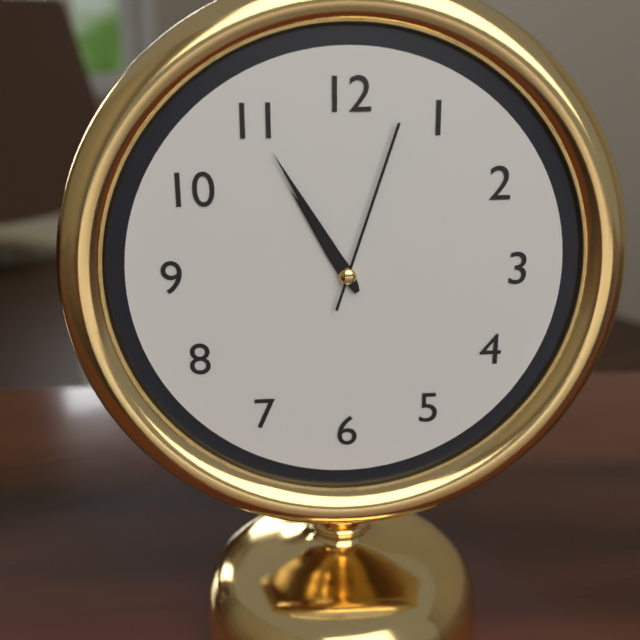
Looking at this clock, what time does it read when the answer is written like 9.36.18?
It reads 10.55.03
